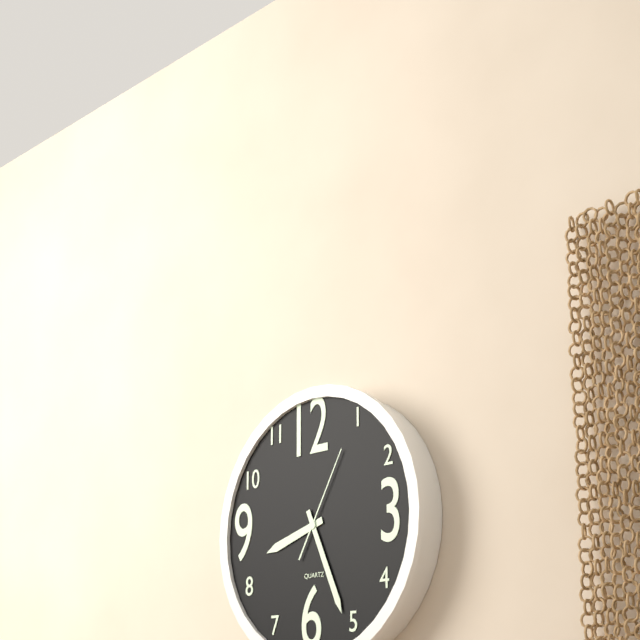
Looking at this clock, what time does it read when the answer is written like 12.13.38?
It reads 8.26.05
